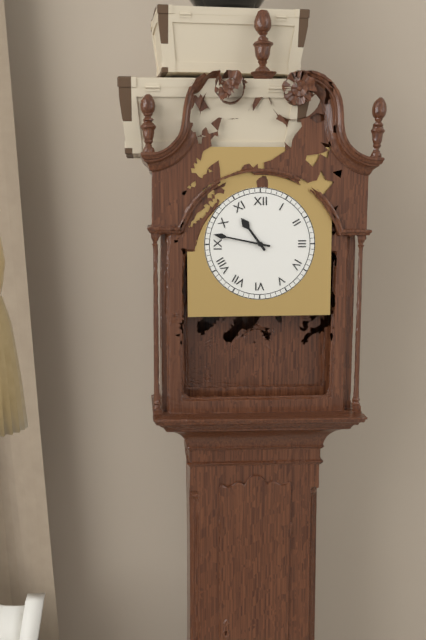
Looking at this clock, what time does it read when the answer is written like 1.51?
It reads 10.47
